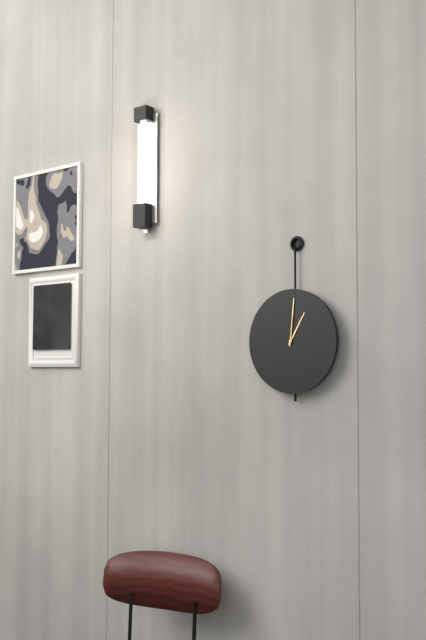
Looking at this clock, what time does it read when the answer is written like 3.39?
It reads 1.01
